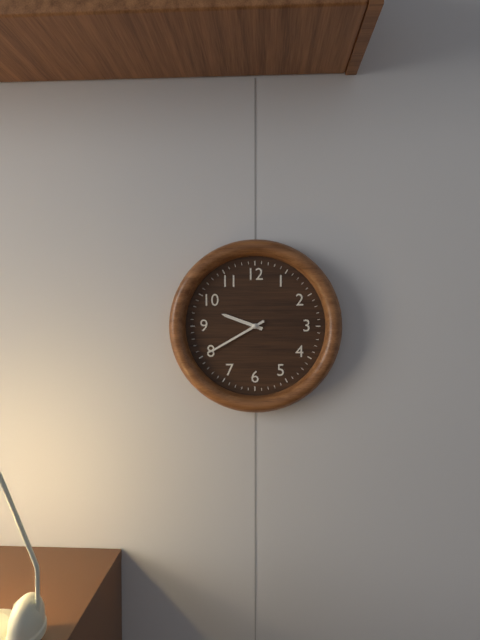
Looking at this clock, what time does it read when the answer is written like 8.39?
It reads 9.40
